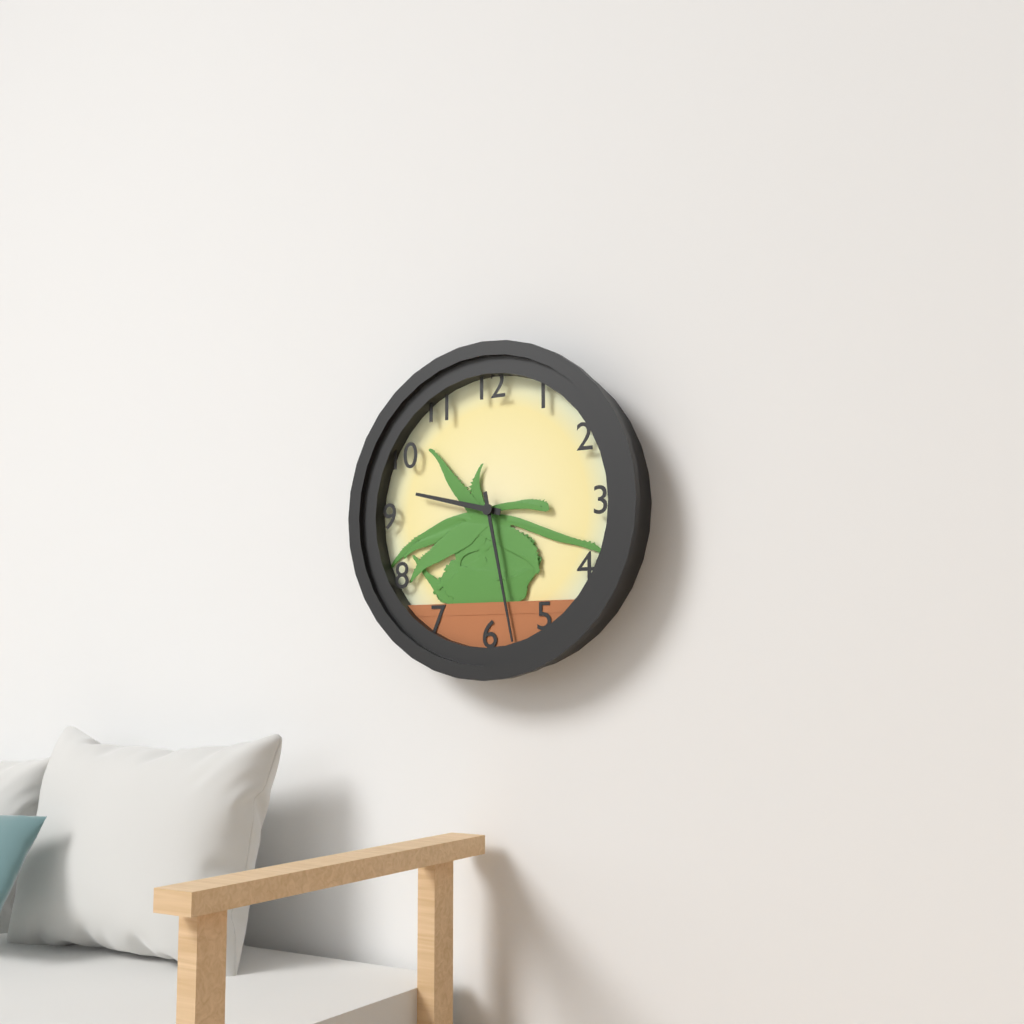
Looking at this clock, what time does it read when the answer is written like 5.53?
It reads 9.28
